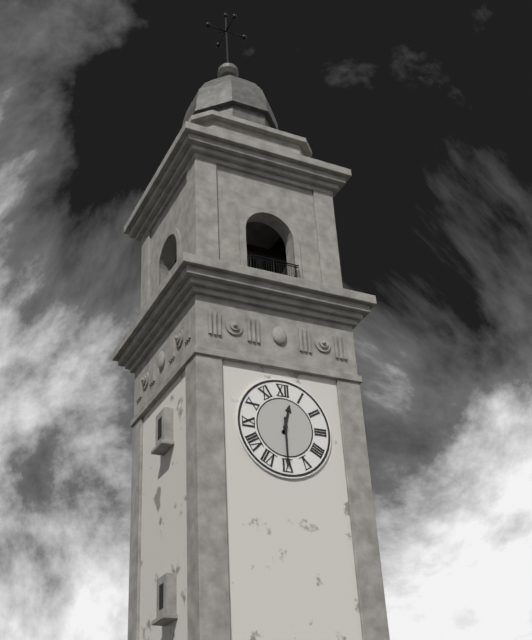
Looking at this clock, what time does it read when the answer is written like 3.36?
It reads 12.30
